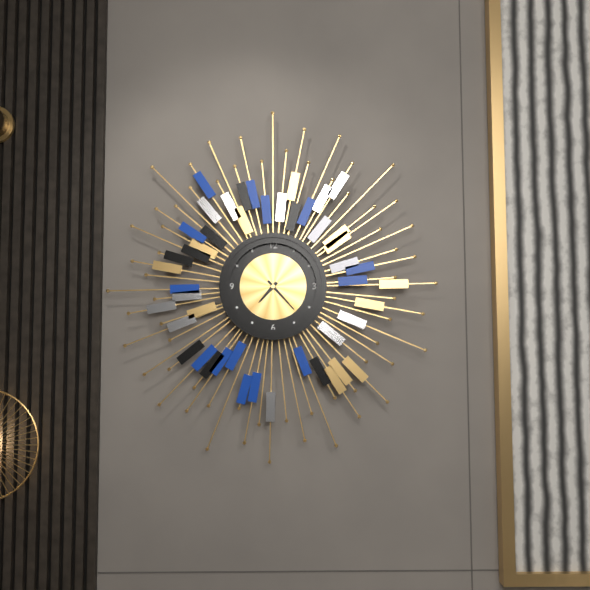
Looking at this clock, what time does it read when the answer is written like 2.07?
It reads 7.23
